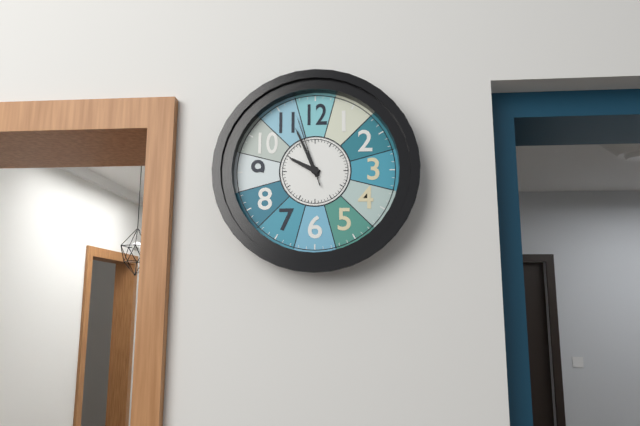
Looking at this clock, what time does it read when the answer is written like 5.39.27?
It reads 9.56.57
